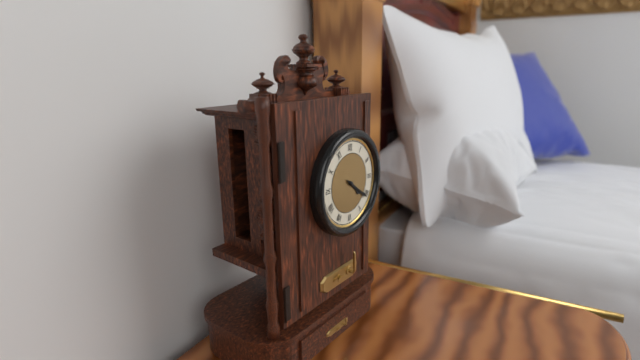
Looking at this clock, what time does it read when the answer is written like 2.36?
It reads 4.21
